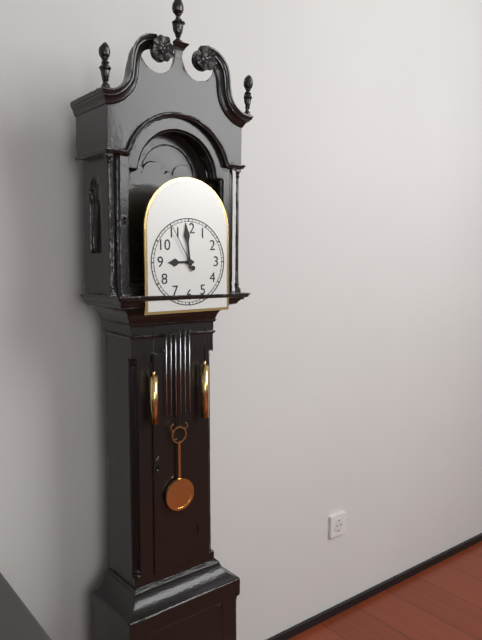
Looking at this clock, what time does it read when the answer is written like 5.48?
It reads 8.59
